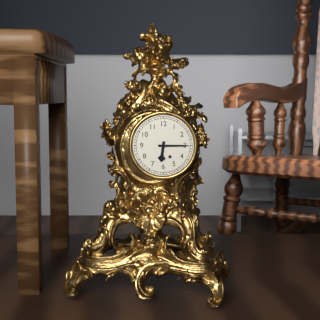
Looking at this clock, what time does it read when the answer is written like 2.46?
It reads 6.15
